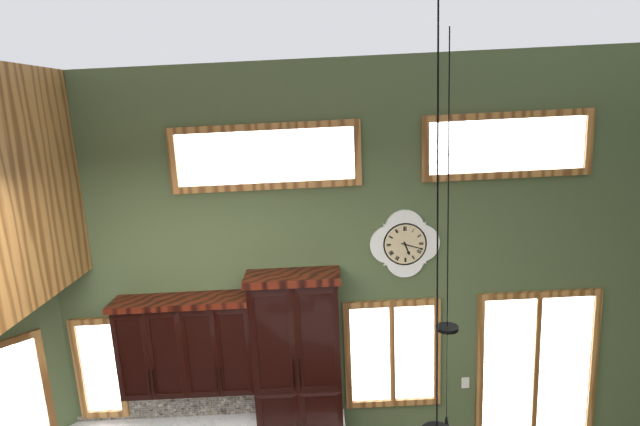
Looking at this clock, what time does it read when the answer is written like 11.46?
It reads 5.18
